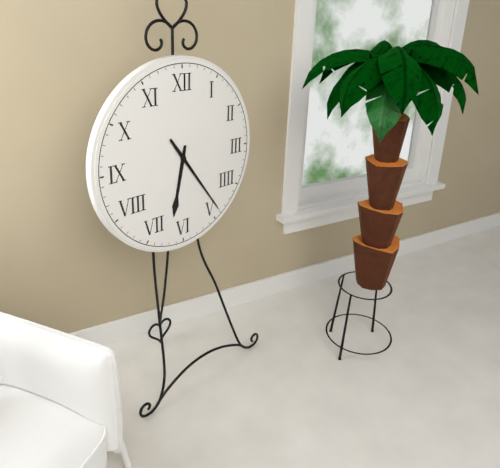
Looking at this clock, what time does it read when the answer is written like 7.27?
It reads 6.24
